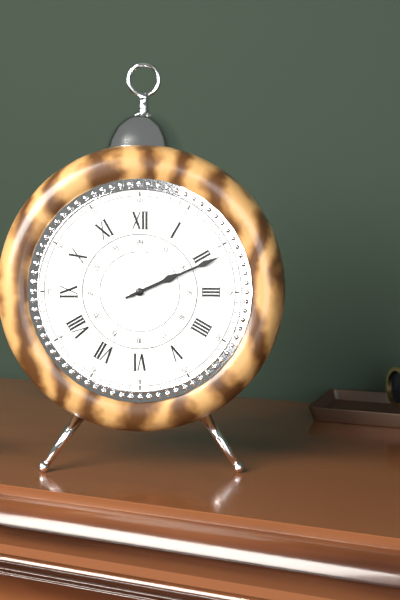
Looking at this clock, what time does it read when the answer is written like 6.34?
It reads 2.11
